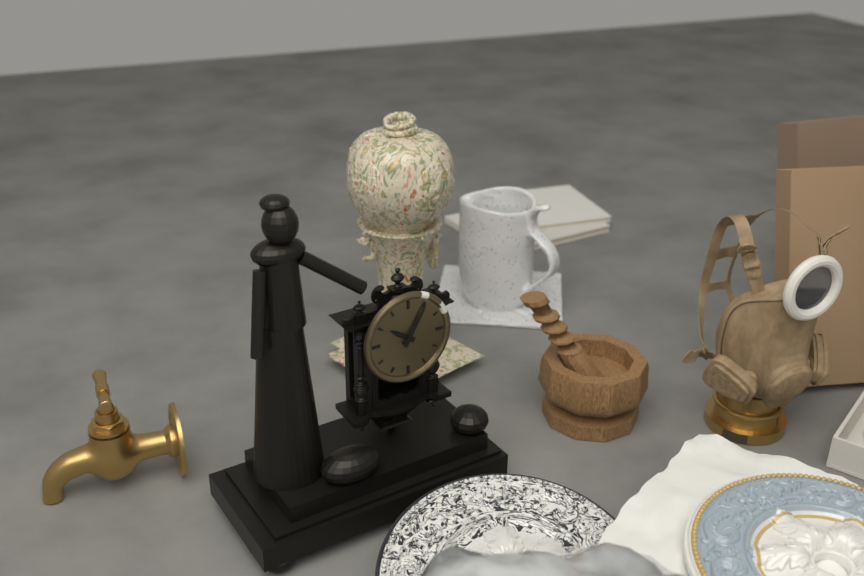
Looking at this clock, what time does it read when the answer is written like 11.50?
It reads 10.05
